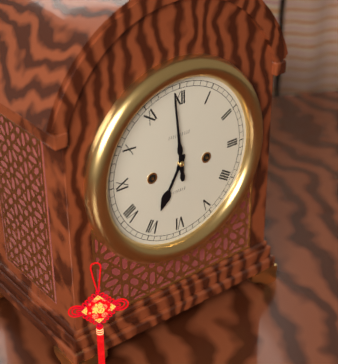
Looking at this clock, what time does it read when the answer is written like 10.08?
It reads 6.59
